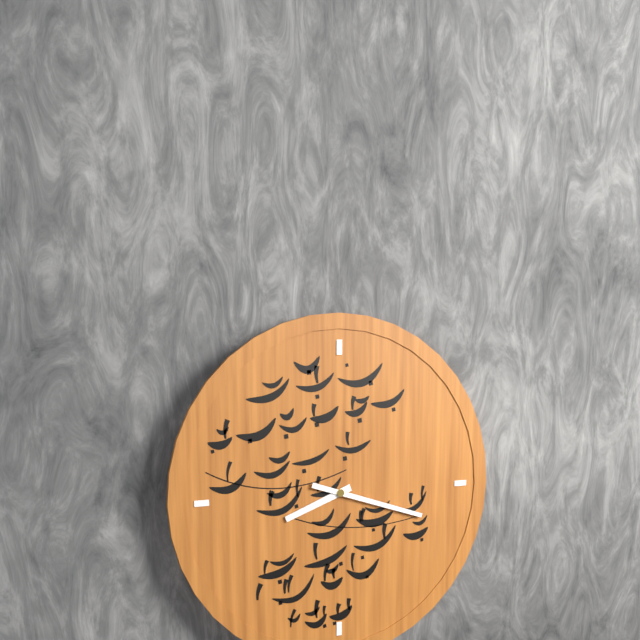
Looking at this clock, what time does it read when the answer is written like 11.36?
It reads 8.18
